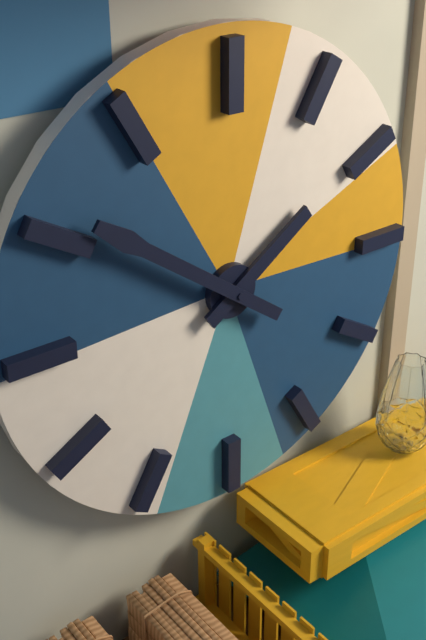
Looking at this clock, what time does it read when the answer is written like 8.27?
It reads 1.51
